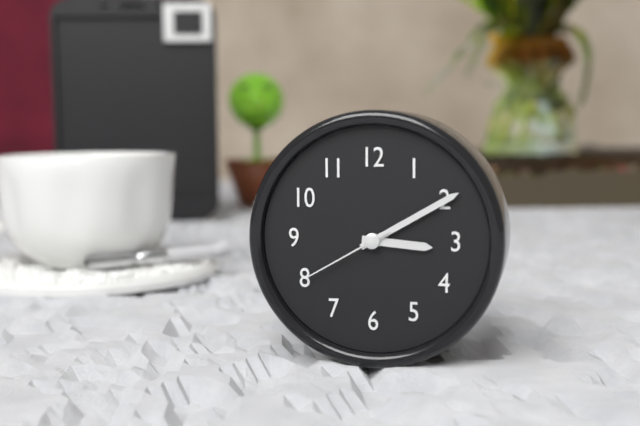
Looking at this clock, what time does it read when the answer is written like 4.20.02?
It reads 3.10.40
